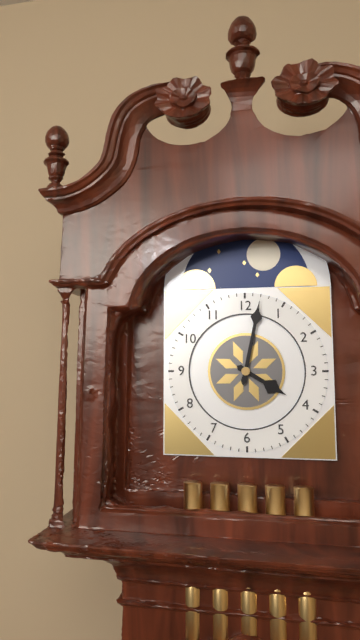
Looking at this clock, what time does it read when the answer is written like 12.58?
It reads 4.02
